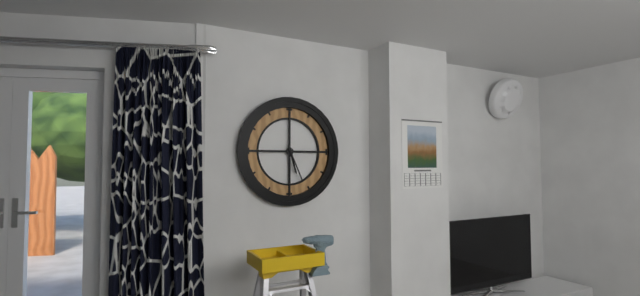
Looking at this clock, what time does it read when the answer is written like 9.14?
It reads 5.26
